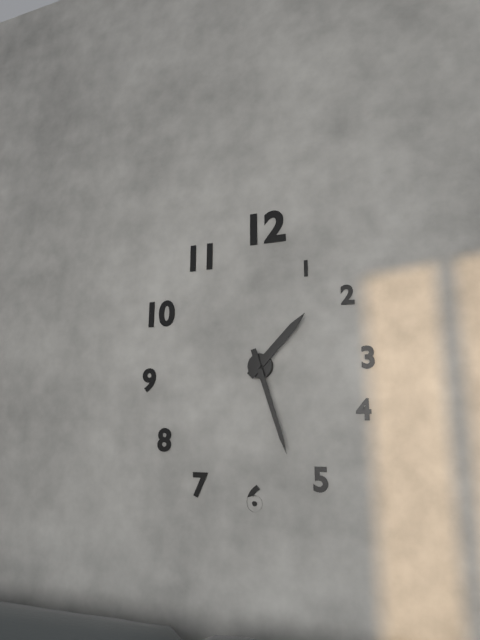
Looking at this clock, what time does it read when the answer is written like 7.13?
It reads 1.27
